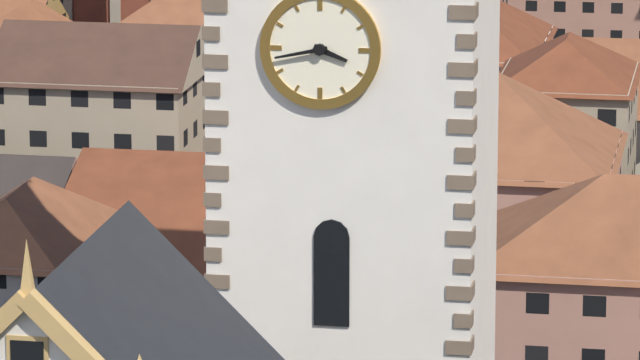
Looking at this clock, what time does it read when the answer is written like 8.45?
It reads 3.43
